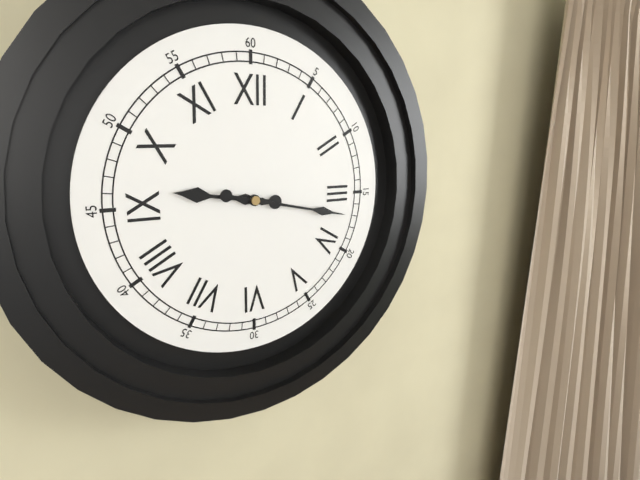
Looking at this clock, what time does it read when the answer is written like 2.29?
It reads 9.17
